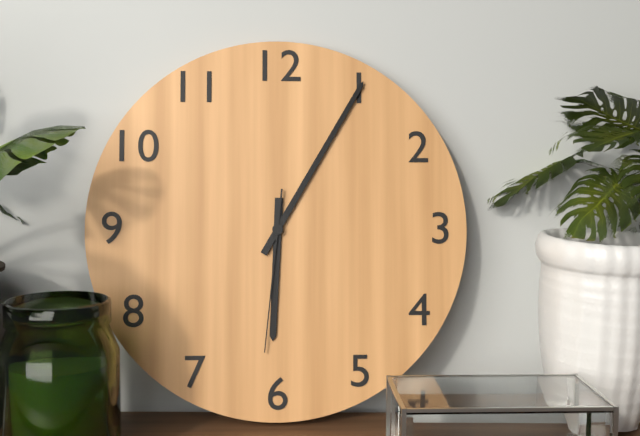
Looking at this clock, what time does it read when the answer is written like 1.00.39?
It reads 6.05.31
